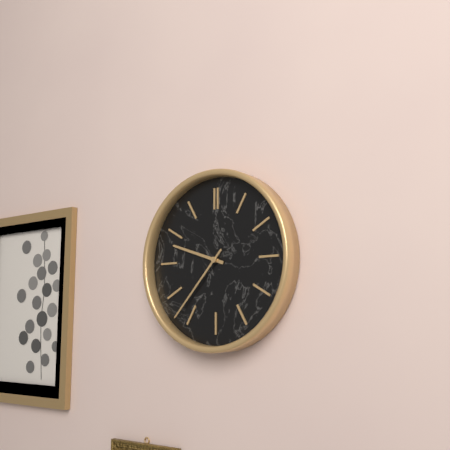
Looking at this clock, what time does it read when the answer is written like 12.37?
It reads 9.37
